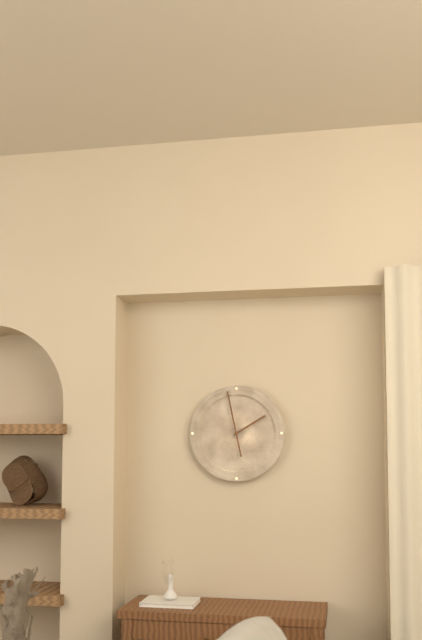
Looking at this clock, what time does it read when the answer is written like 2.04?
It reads 1.58
